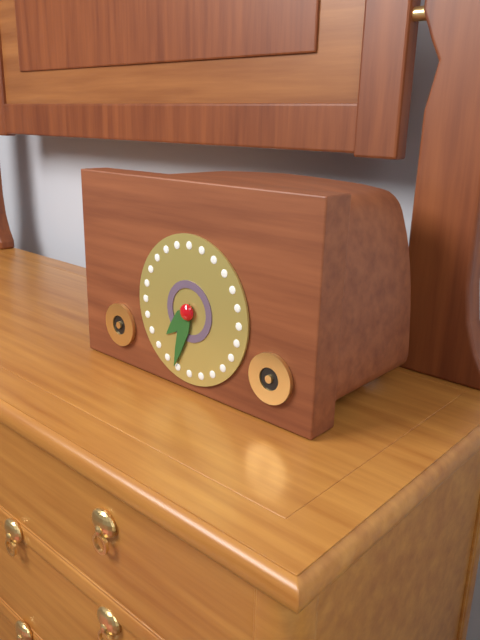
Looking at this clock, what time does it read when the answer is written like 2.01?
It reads 7.33
